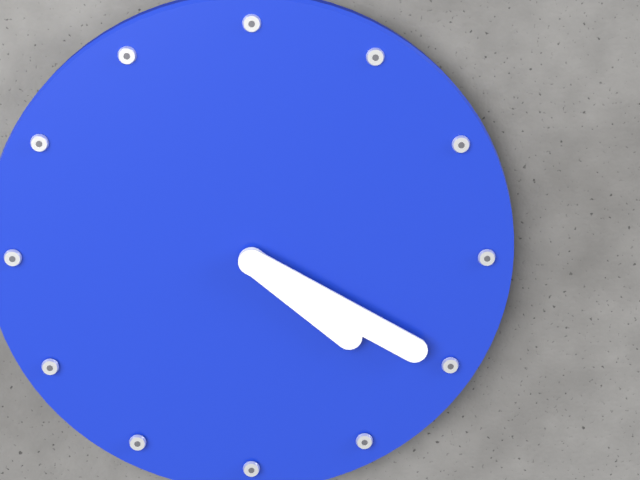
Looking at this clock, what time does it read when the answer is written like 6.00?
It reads 4.20
